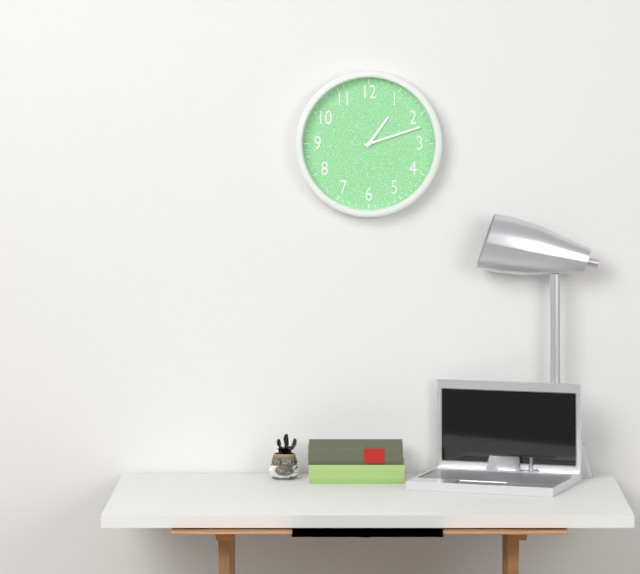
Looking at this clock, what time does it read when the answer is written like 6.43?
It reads 1.12
